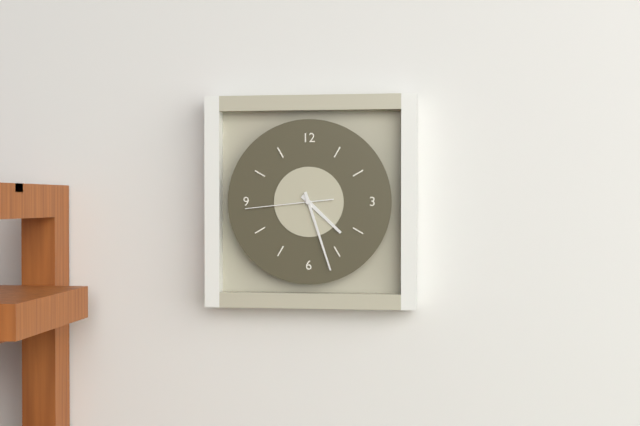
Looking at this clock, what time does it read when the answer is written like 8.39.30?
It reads 4.27.44
